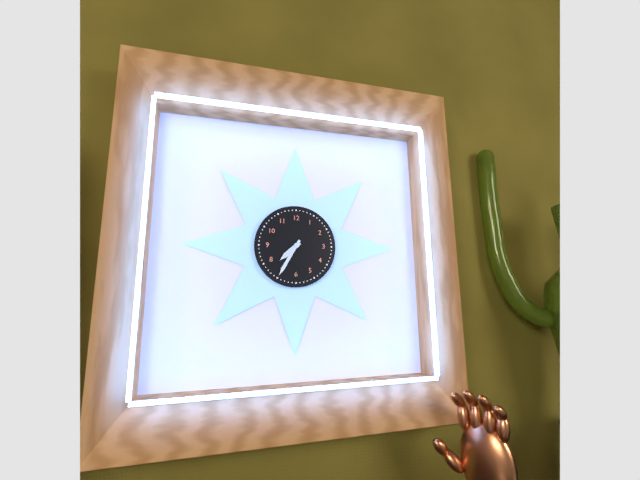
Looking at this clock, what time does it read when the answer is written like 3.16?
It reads 7.35
